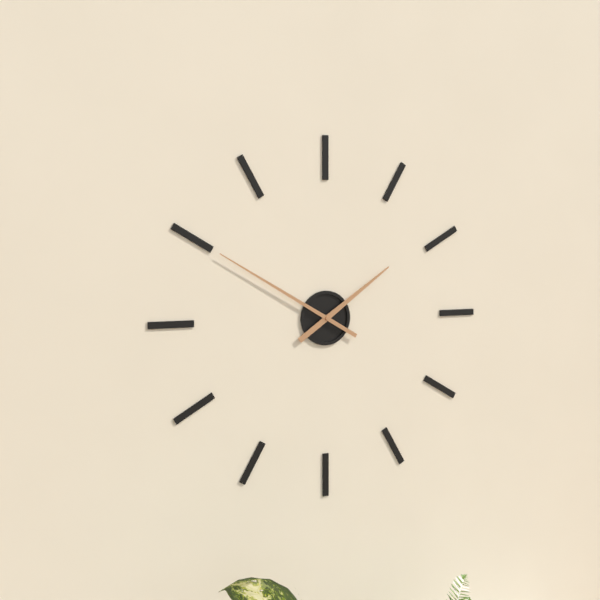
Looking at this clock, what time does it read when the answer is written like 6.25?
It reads 1.50
